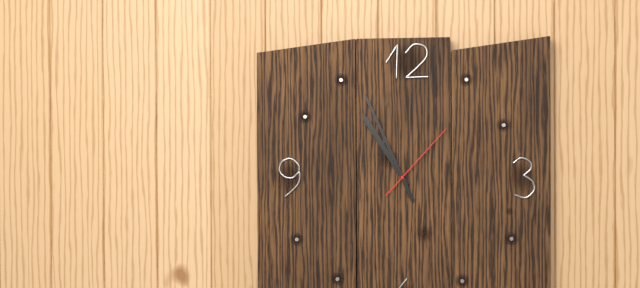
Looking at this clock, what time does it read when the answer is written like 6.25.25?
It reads 10.56.07
